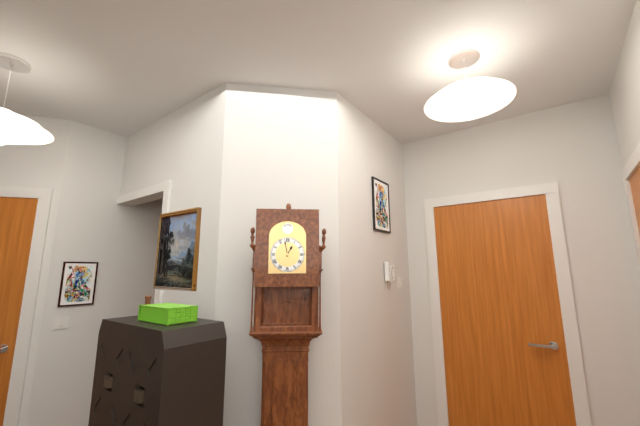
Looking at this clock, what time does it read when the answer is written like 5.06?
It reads 12.58
